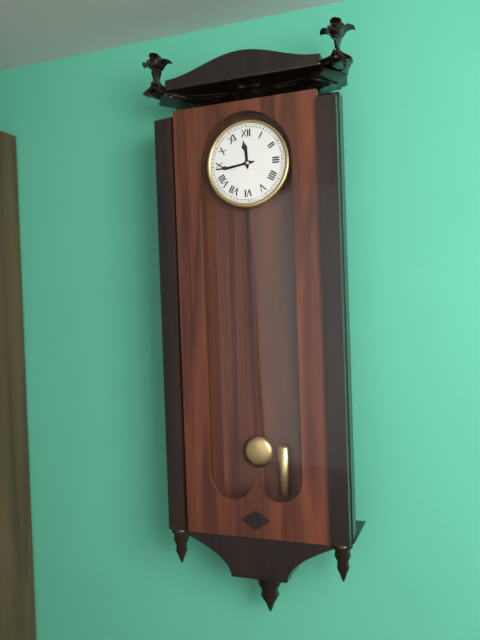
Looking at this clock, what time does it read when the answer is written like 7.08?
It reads 11.44
